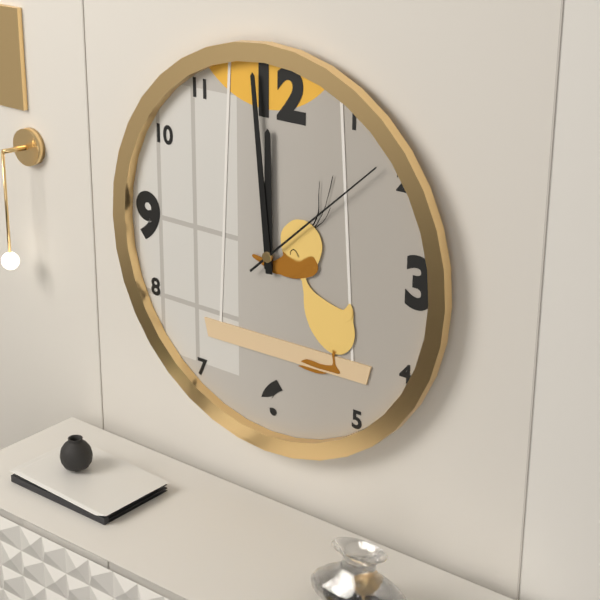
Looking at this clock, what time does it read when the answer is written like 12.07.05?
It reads 11.59.08
